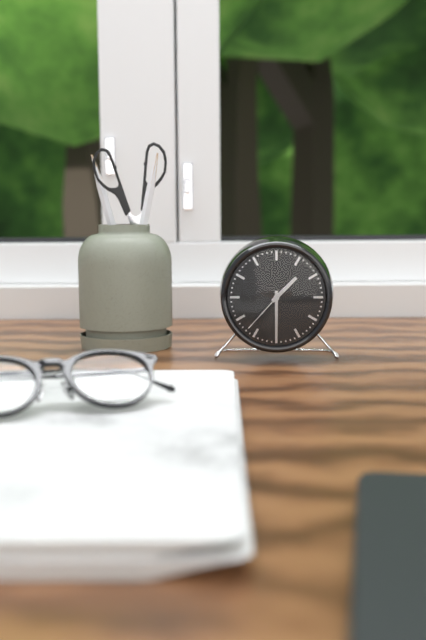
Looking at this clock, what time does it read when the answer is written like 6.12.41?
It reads 1.30.37
